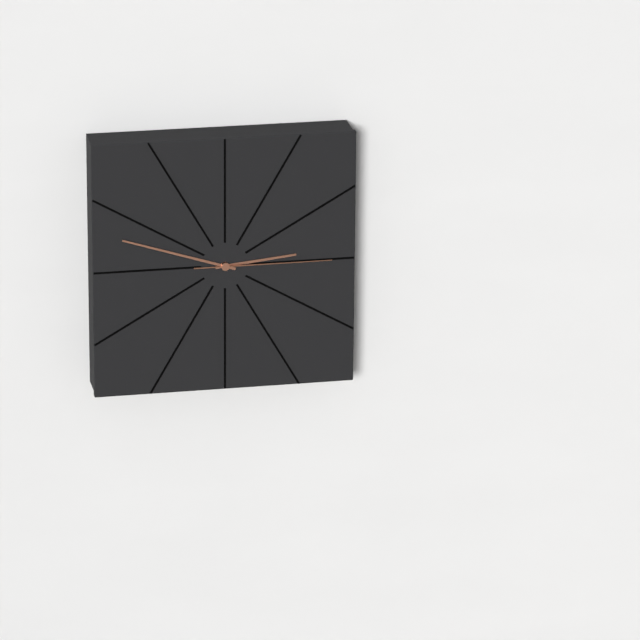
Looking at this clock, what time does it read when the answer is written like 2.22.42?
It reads 2.48.15
